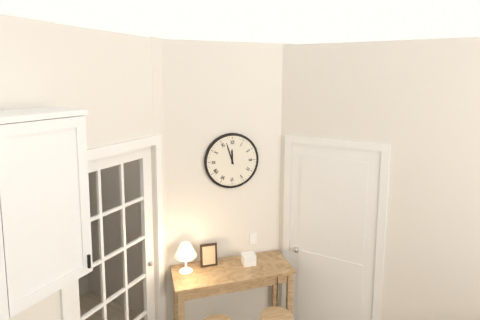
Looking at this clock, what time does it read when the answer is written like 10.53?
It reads 11.57
